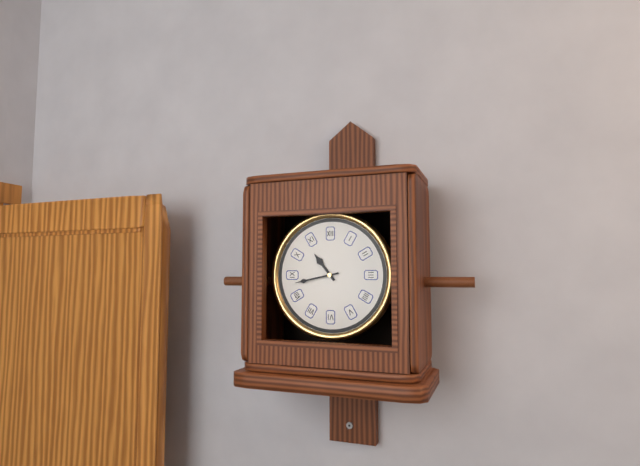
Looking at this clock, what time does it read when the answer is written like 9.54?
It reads 10.43
